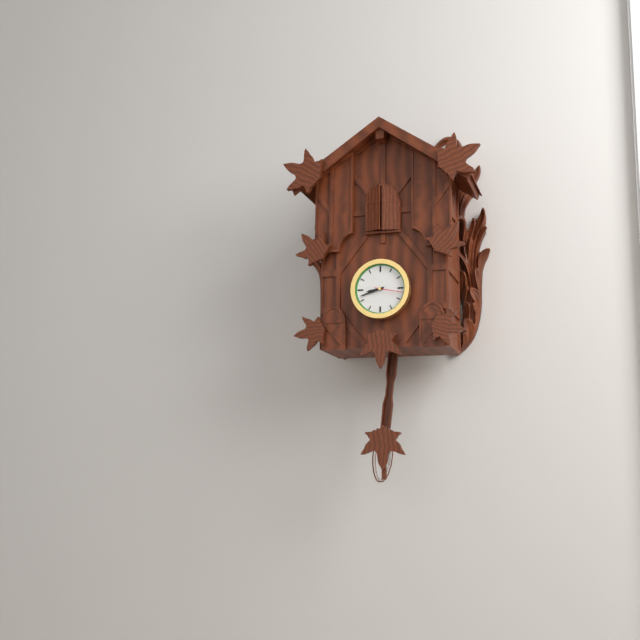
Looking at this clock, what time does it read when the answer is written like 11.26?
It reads 8.42
